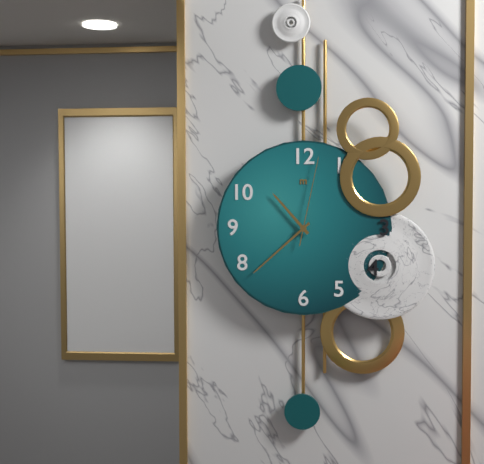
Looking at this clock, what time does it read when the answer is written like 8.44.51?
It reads 10.38.02
